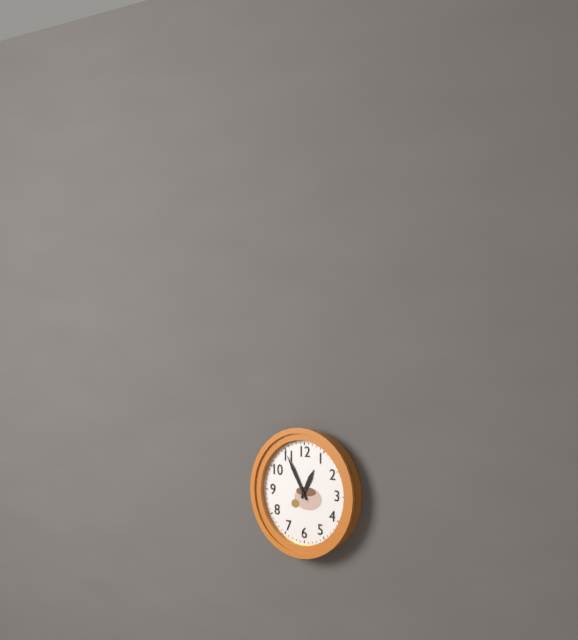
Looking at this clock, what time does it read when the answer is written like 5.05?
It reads 12.55
